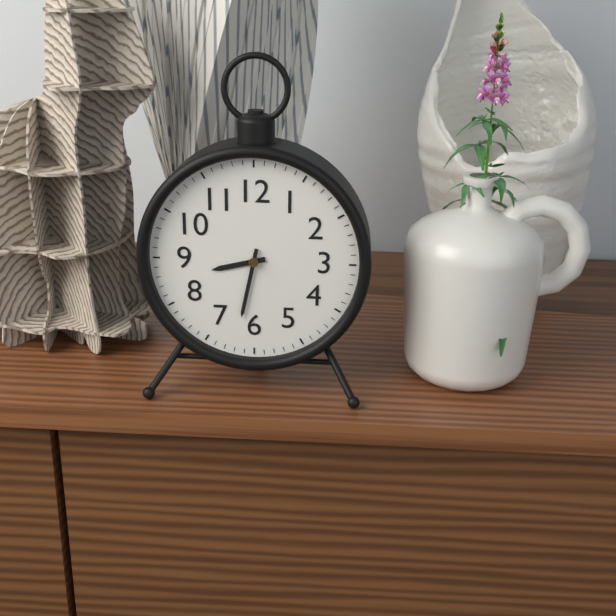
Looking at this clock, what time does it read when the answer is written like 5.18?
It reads 8.32
